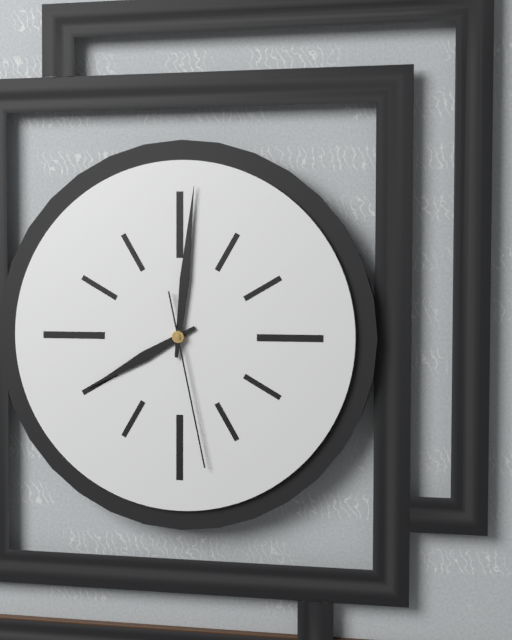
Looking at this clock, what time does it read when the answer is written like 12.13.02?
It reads 8.01.28
